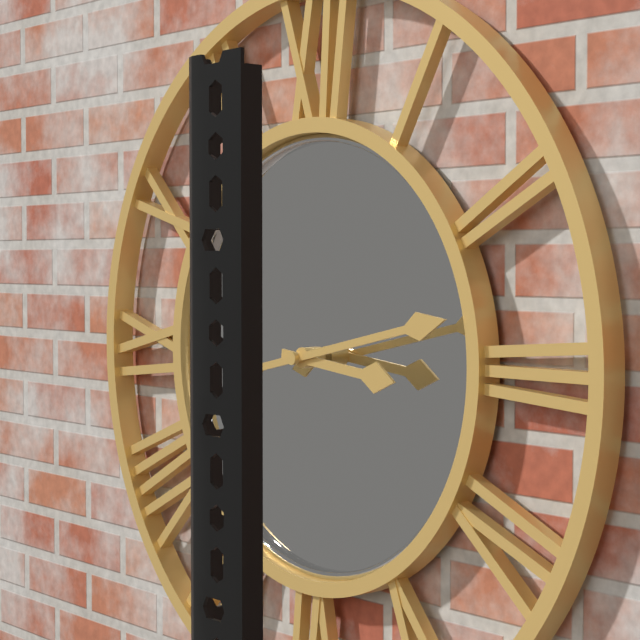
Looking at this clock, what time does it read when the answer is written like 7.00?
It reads 3.13
